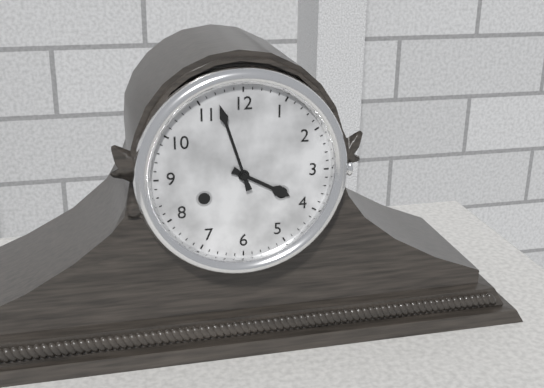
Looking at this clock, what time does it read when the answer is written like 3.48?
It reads 3.57
